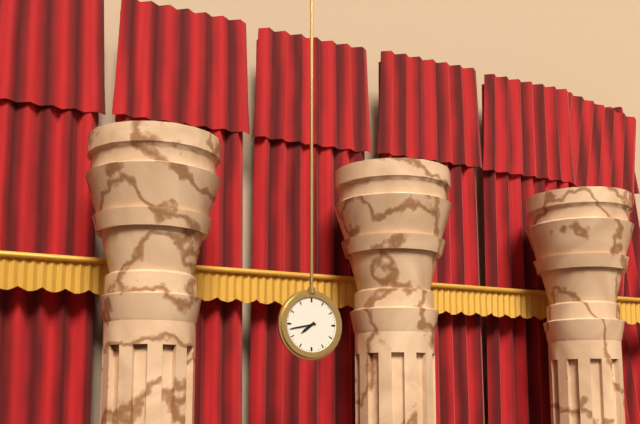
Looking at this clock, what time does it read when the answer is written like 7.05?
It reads 7.43
